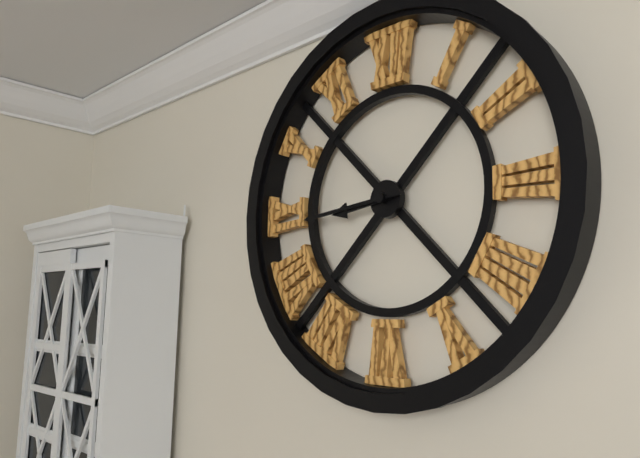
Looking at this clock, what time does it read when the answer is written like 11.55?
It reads 8.44
